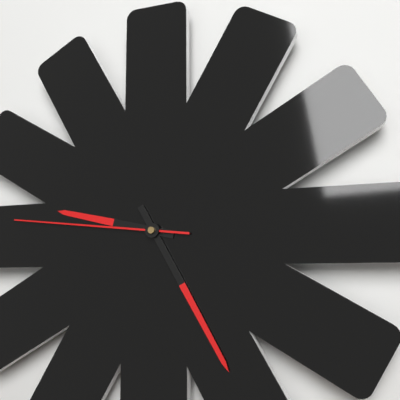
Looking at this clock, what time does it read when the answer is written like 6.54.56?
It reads 9.25.46
